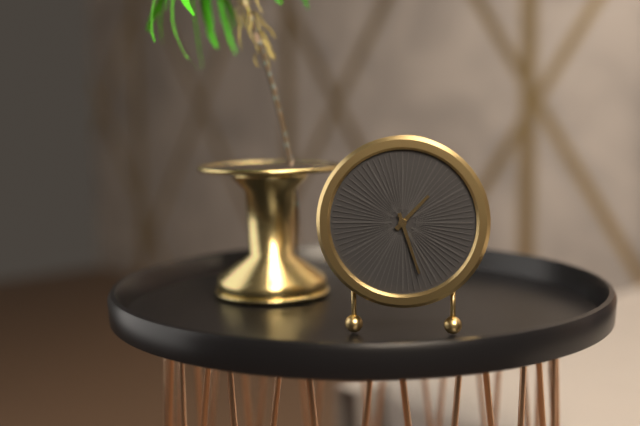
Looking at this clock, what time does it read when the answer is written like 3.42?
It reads 1.27
